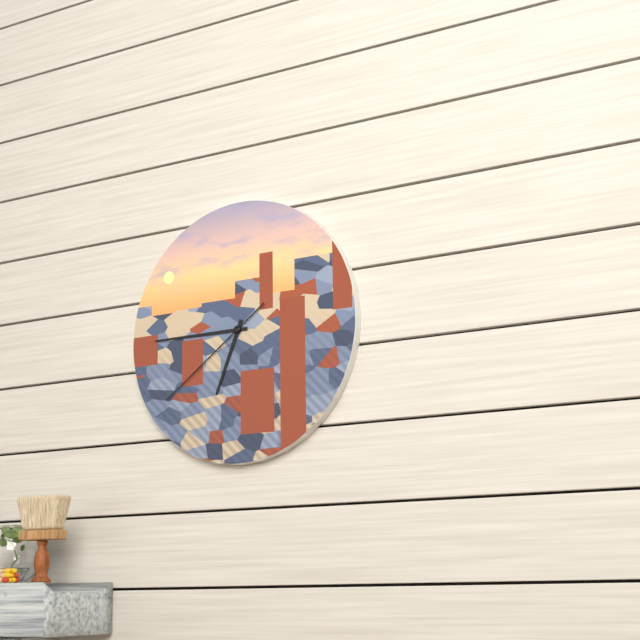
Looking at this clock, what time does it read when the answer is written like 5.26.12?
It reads 6.45.39
